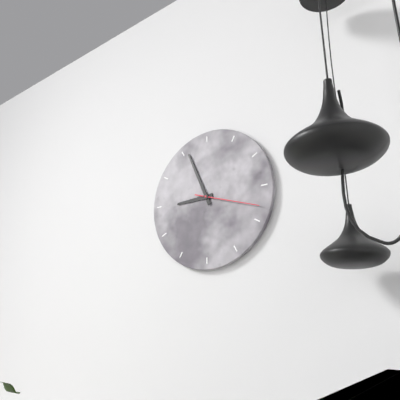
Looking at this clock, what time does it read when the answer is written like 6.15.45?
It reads 8.56.18
